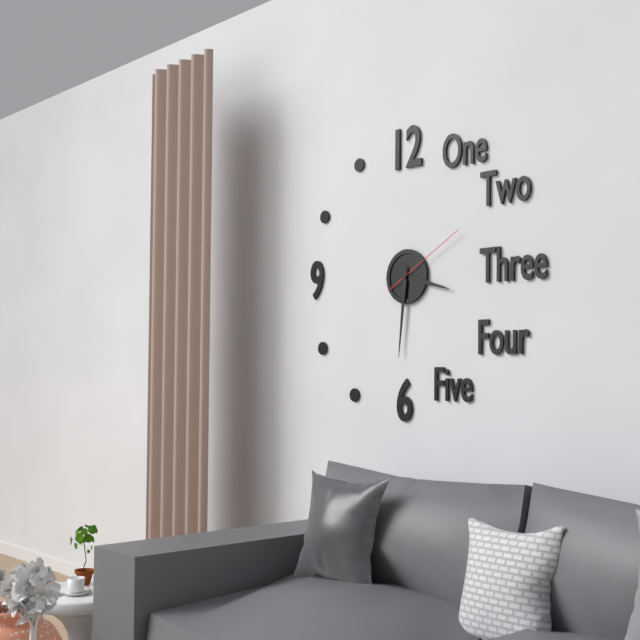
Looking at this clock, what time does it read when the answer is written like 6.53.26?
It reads 3.31.10
